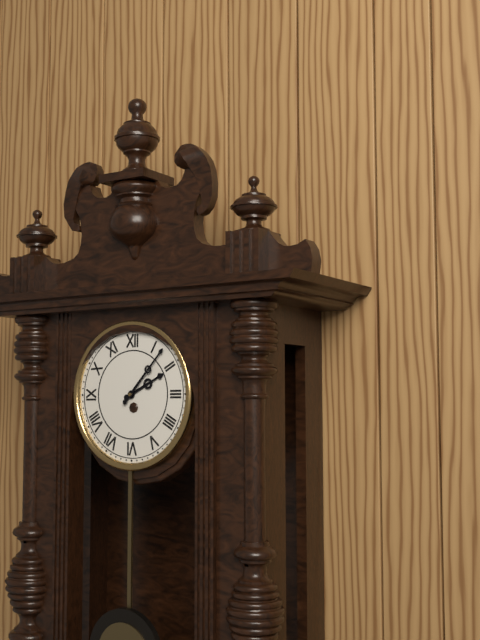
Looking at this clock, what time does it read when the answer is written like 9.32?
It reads 2.07
